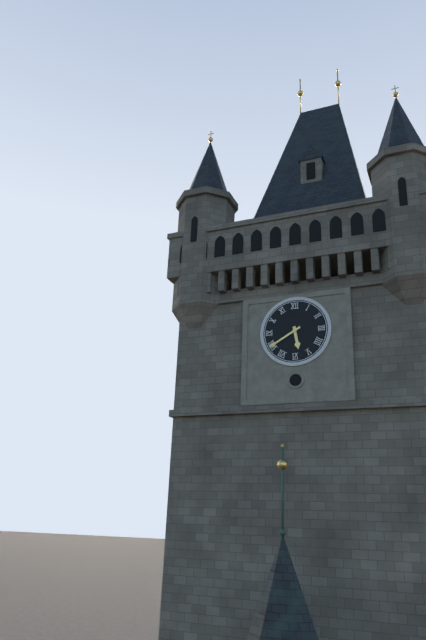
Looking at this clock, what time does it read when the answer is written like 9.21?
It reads 5.40
